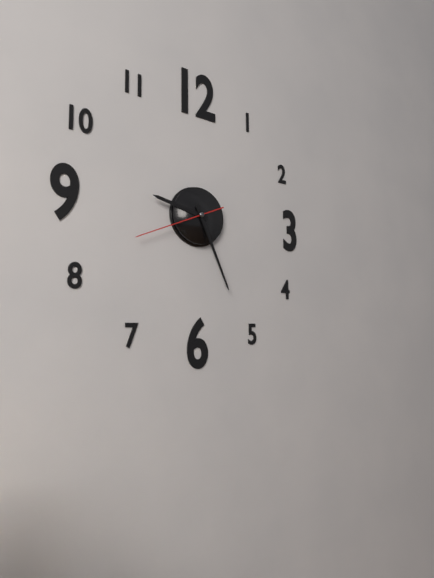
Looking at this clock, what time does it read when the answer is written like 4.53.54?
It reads 9.26.41
